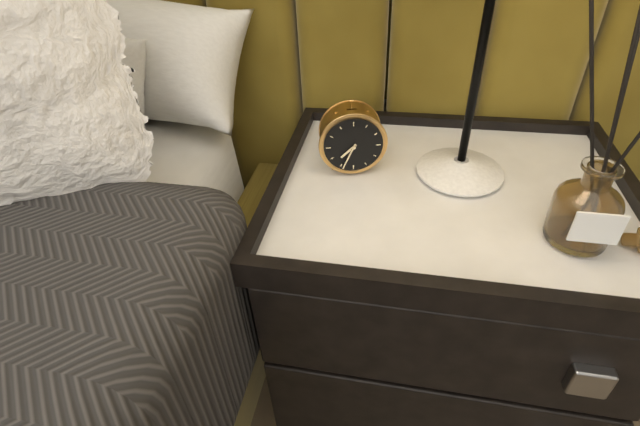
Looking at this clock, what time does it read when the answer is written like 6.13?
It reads 7.34
